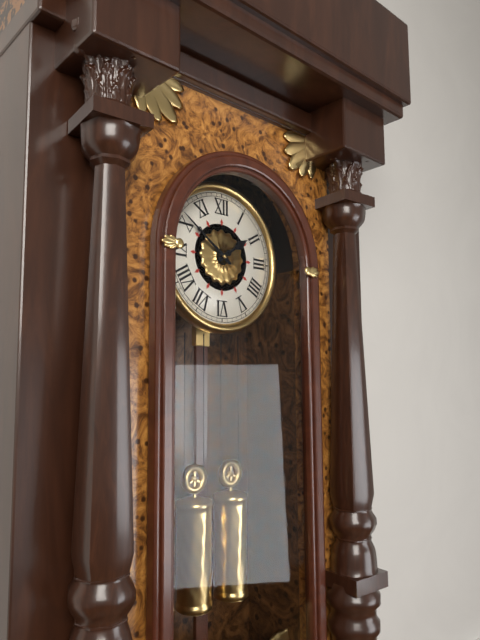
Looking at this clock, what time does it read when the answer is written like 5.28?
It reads 1.51
